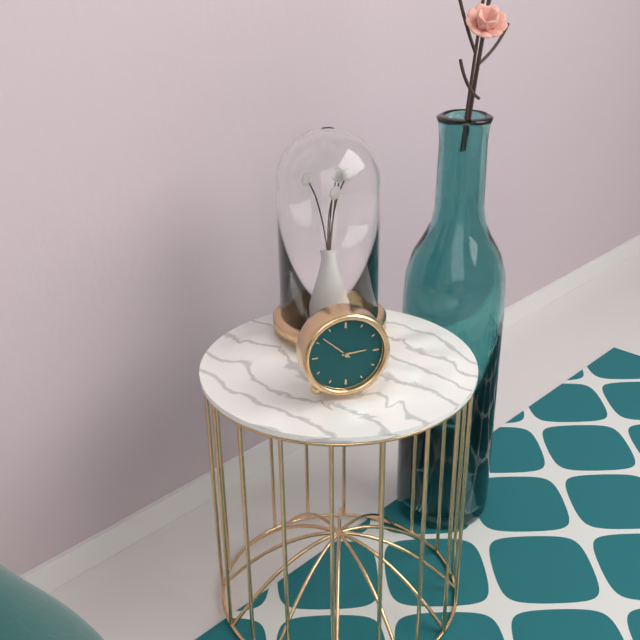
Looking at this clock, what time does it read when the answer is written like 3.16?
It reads 2.52
